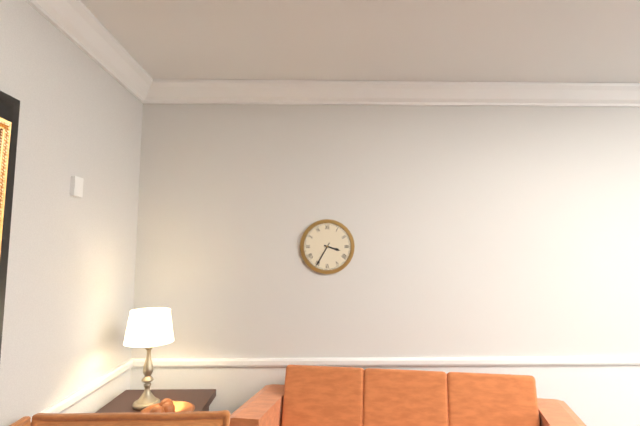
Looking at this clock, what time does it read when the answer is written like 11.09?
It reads 3.35
